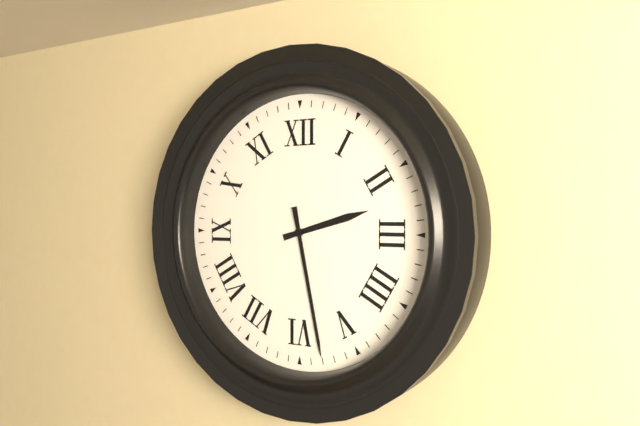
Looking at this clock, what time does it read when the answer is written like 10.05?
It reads 2.28
